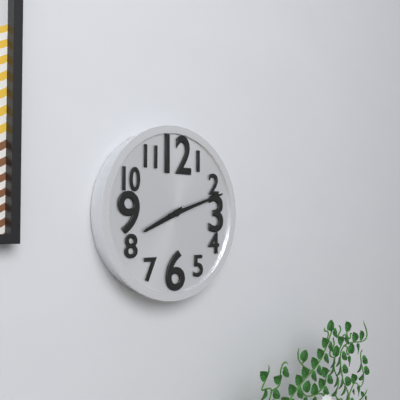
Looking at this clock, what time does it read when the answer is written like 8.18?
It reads 8.12
